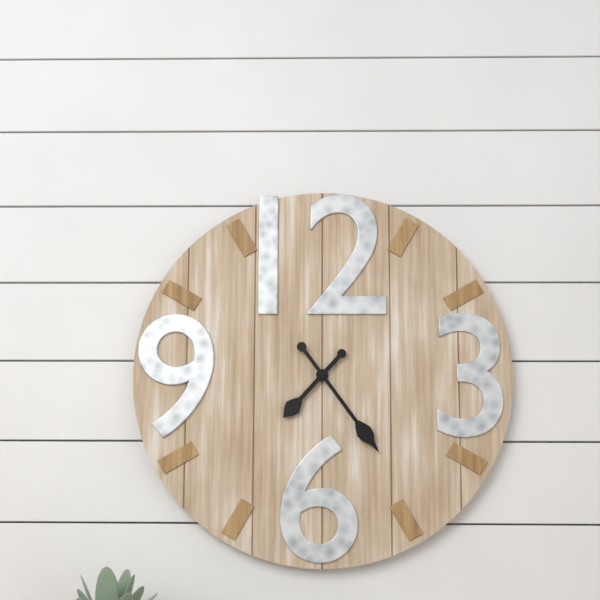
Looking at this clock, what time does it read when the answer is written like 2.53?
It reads 7.24
